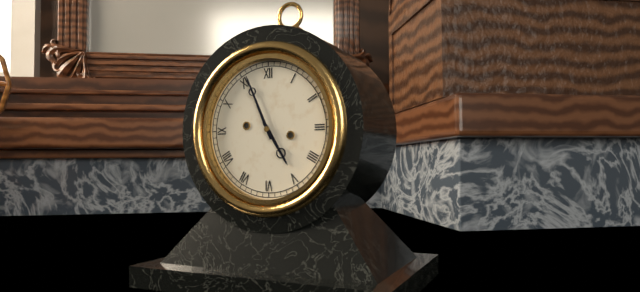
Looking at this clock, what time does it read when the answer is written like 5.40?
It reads 4.56
